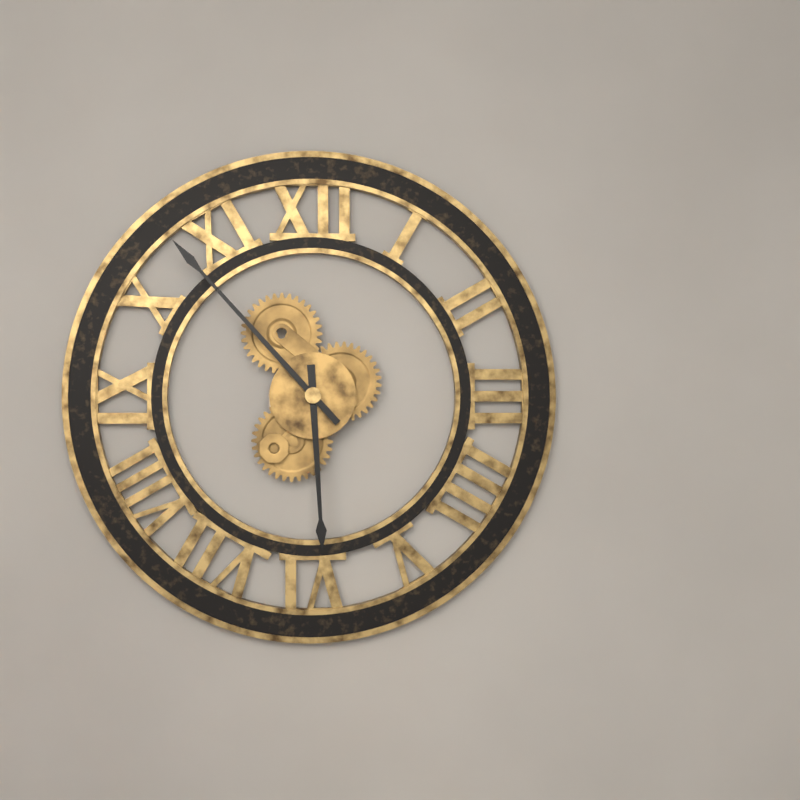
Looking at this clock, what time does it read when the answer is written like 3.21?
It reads 5.53
